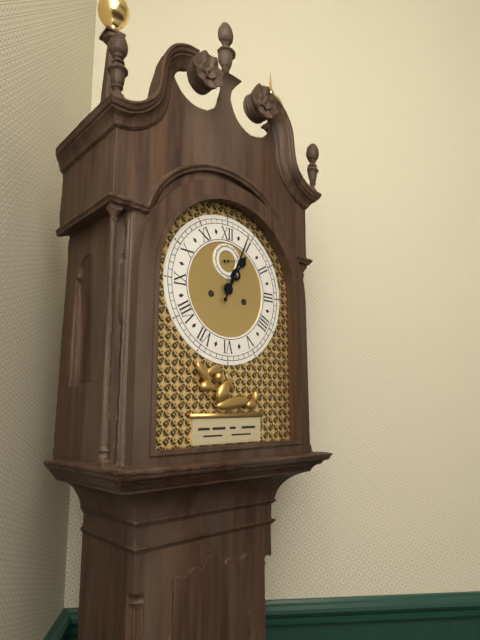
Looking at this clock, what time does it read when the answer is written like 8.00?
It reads 1.04
